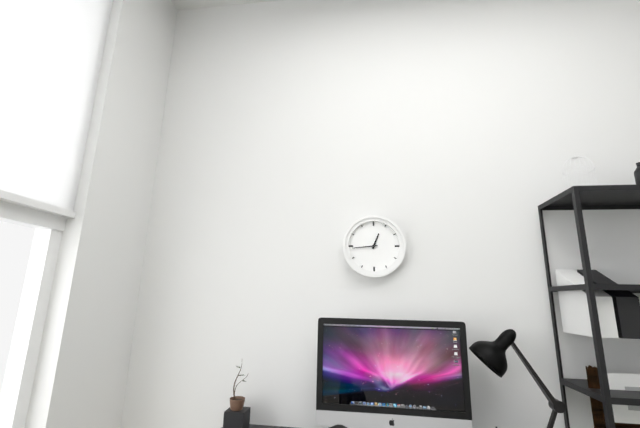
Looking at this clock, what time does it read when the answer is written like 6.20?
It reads 12.44
